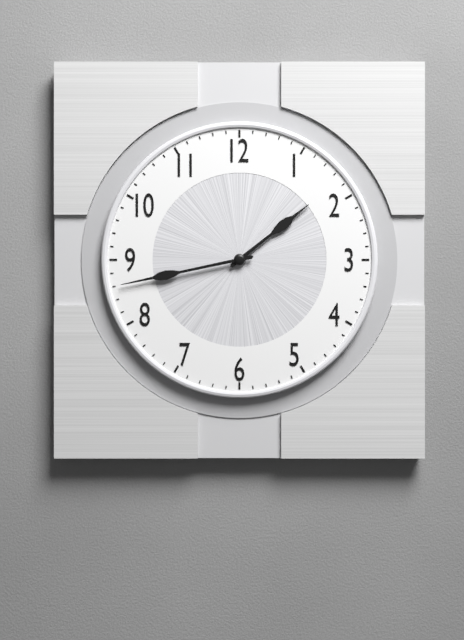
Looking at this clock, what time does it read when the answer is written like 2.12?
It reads 1.43
